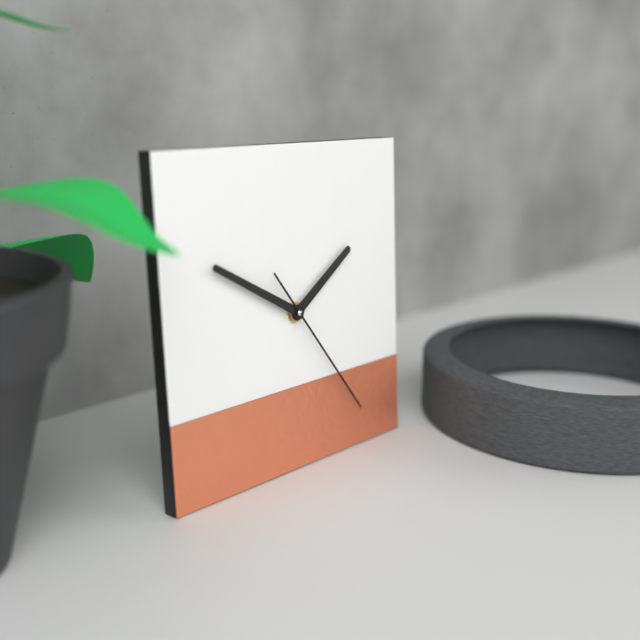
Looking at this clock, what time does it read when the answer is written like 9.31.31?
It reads 1.50.24
